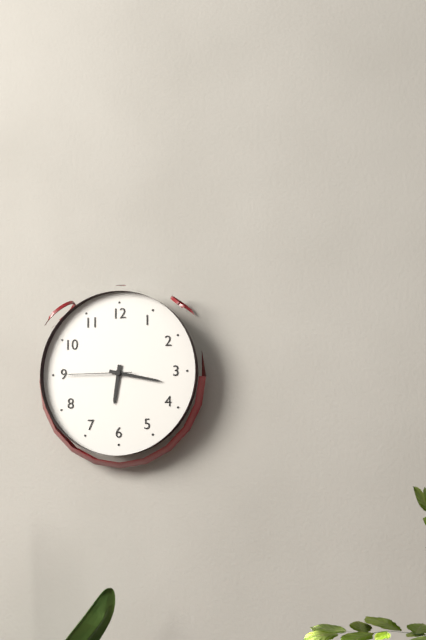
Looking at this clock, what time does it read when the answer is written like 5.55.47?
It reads 6.17.45
